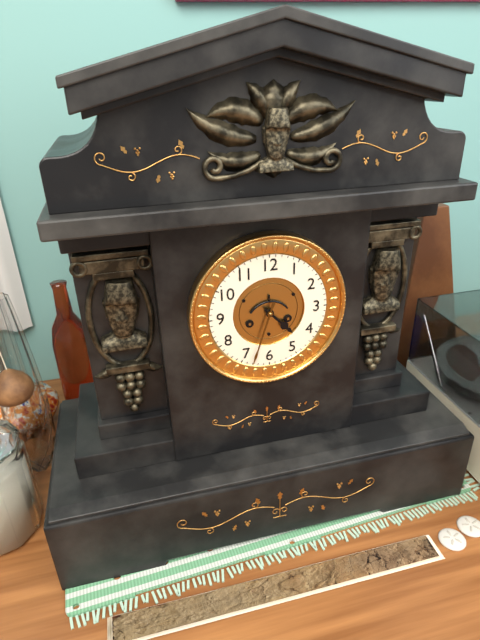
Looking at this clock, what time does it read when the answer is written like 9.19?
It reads 4.33
